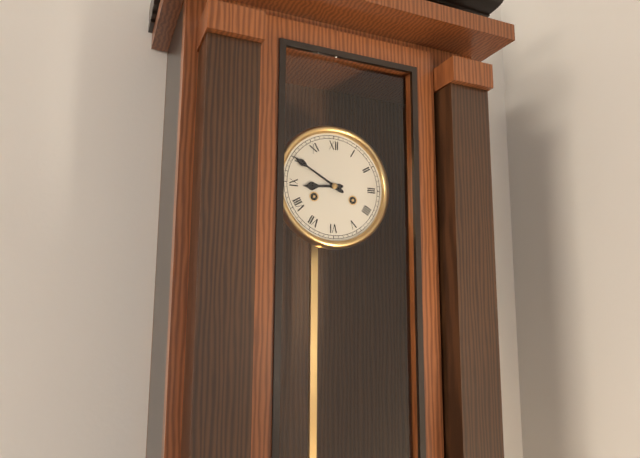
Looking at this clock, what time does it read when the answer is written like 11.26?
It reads 8.50
